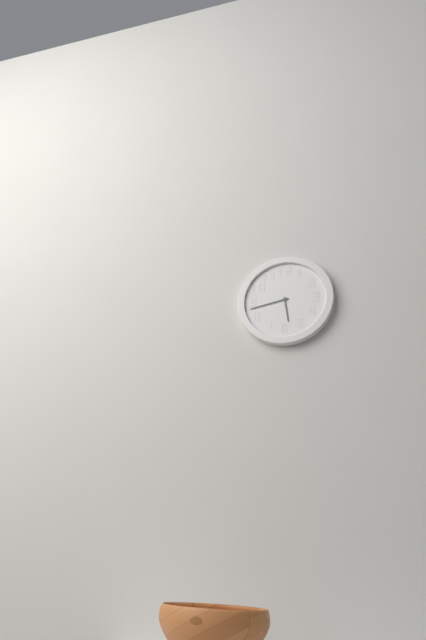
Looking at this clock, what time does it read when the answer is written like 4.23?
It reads 5.43
